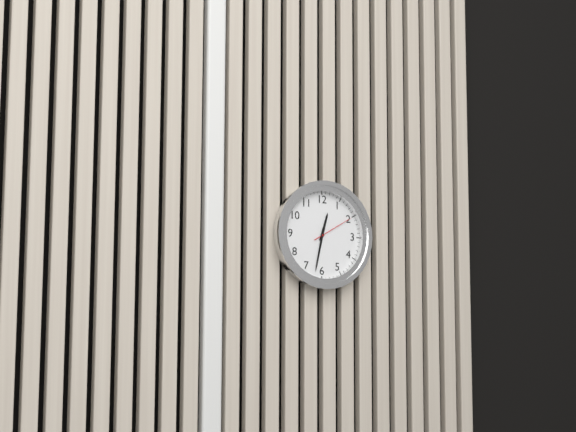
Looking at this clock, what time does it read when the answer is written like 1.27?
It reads 12.32
